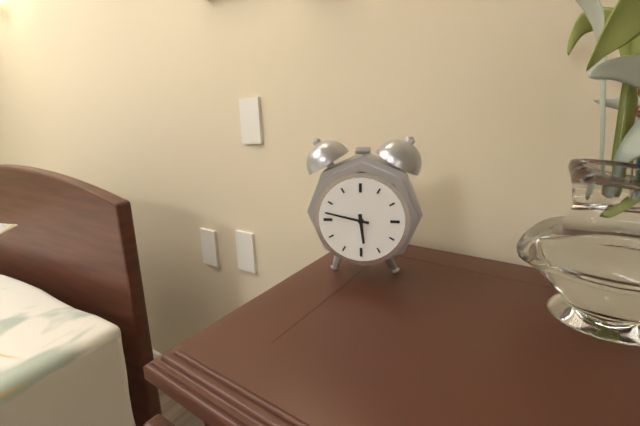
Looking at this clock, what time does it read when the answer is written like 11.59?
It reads 5.47
